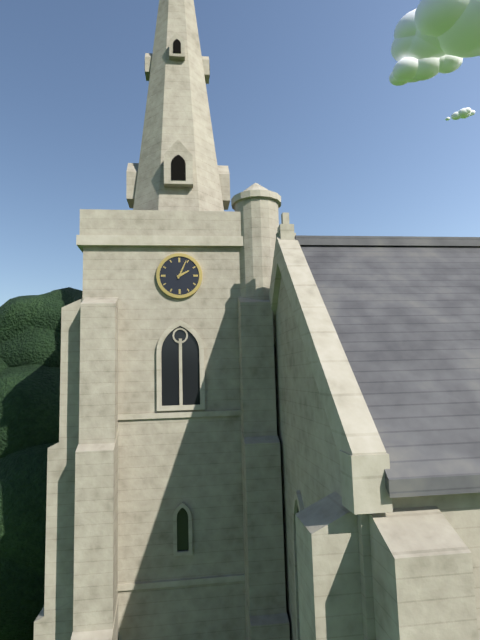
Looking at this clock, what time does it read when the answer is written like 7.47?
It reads 2.04
